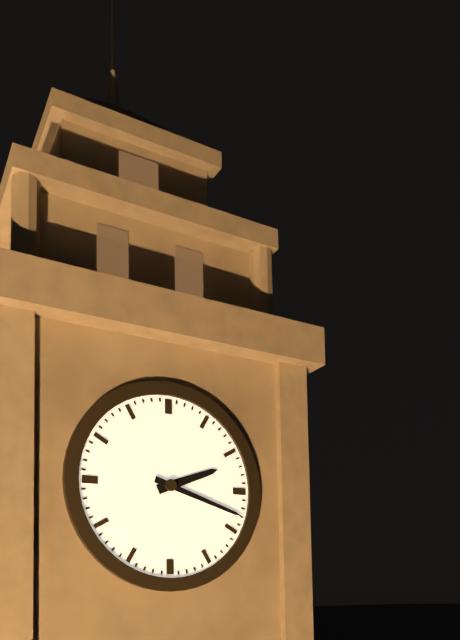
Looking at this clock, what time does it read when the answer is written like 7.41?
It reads 2.18
